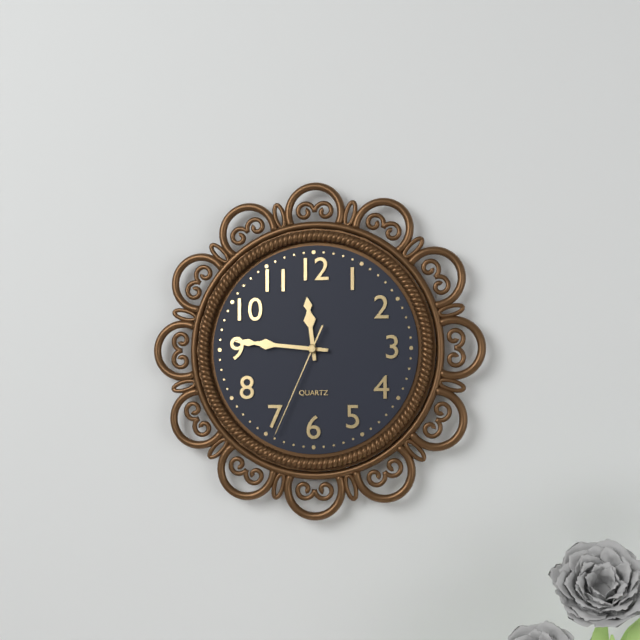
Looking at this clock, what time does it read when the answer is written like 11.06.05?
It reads 11.46.34
